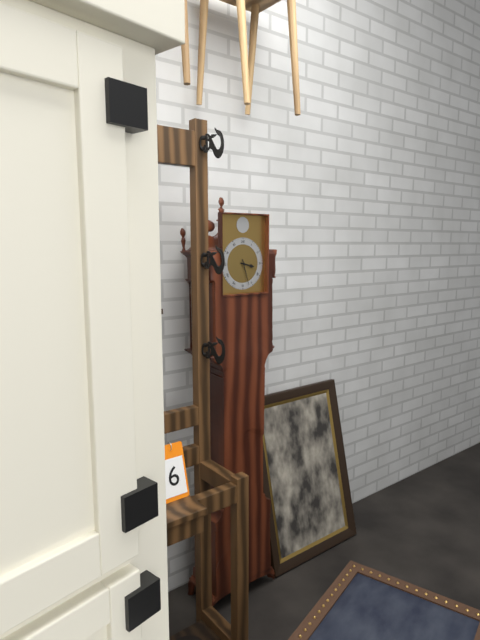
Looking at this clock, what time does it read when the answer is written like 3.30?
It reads 3.27
